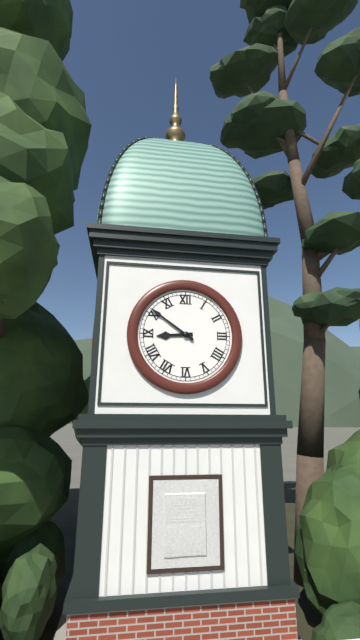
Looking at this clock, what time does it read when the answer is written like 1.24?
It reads 8.51
